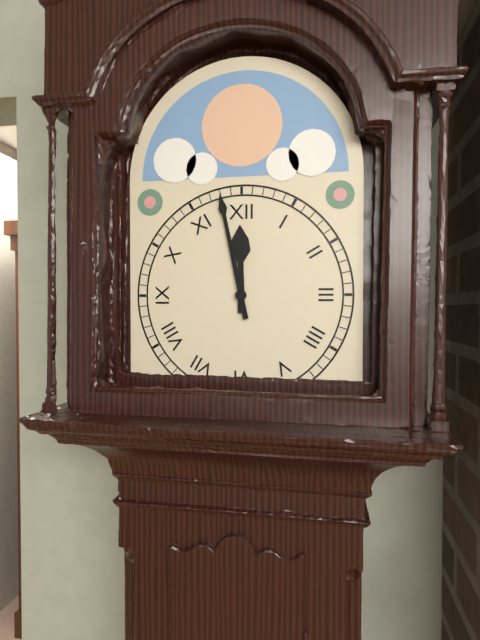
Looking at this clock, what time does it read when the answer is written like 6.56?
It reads 11.58
